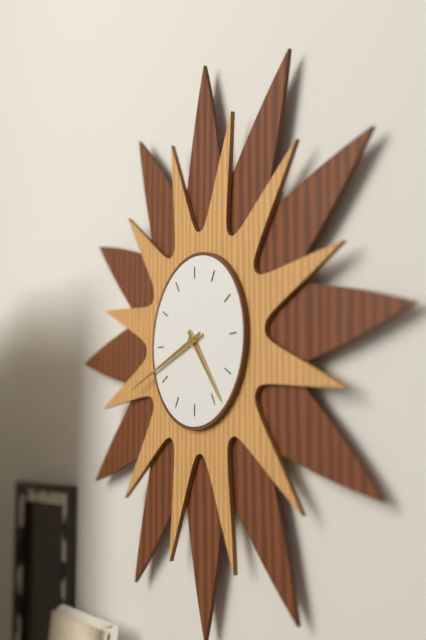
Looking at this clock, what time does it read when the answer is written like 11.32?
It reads 4.42
